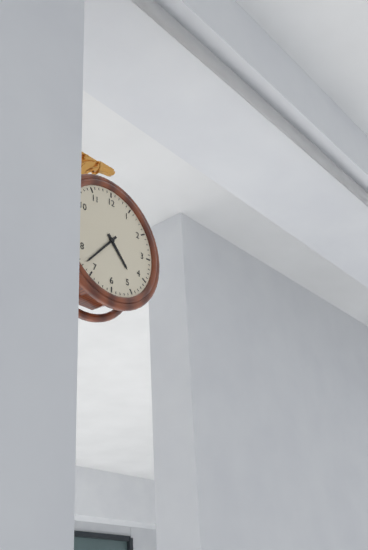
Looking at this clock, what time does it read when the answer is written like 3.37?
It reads 4.37
